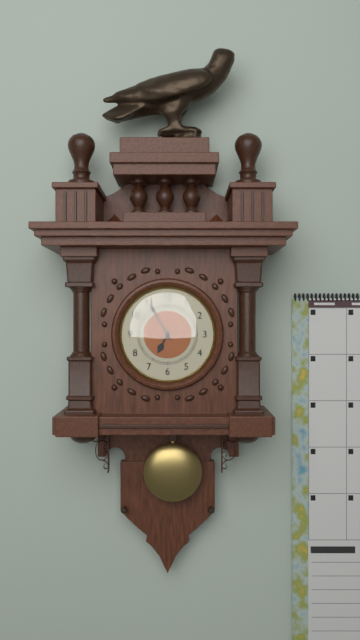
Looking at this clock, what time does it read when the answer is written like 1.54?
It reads 6.55
